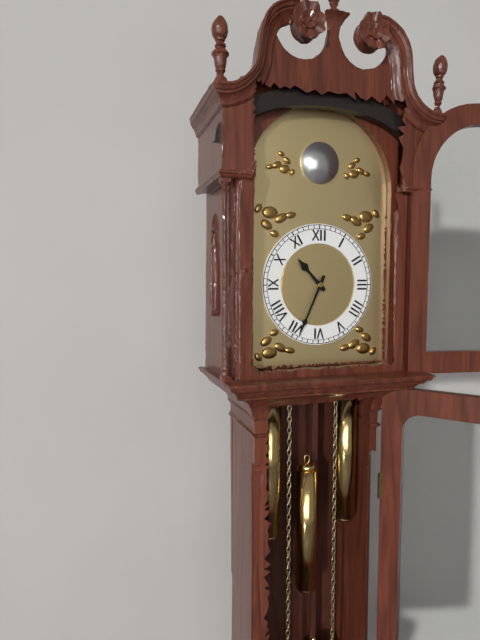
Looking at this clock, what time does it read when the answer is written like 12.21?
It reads 10.34
